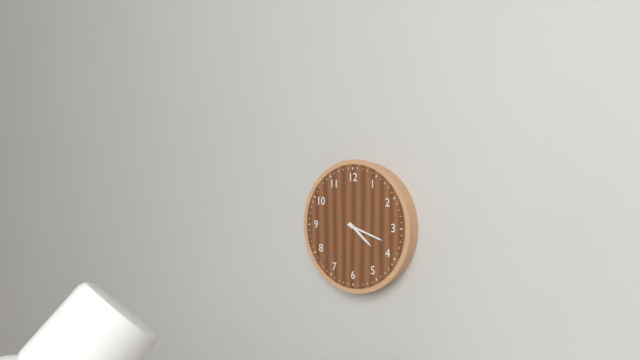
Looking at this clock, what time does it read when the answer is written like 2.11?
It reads 4.18
